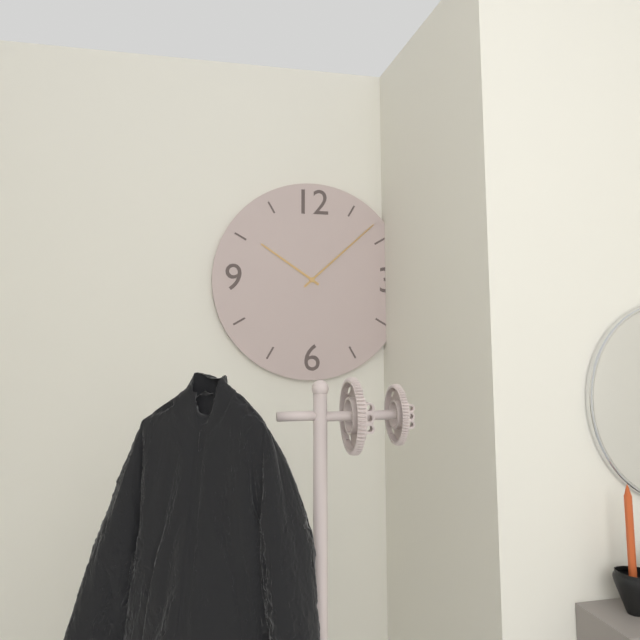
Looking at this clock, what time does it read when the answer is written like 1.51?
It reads 10.08
